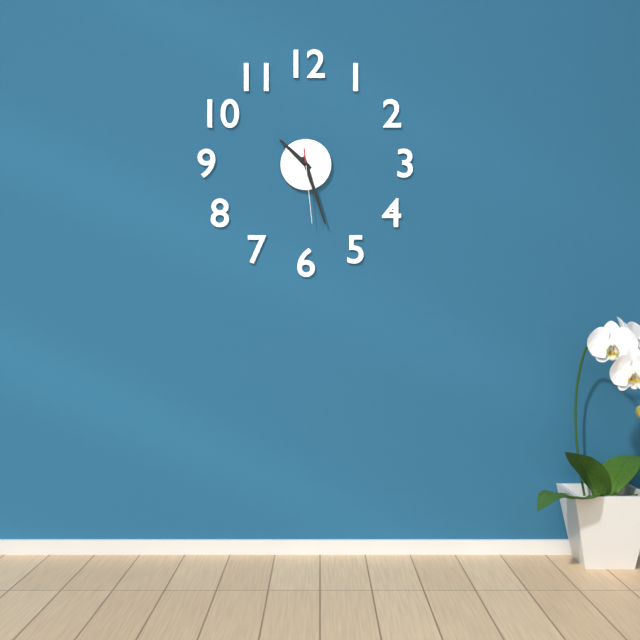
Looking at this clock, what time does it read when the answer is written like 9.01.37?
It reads 10.27.29
